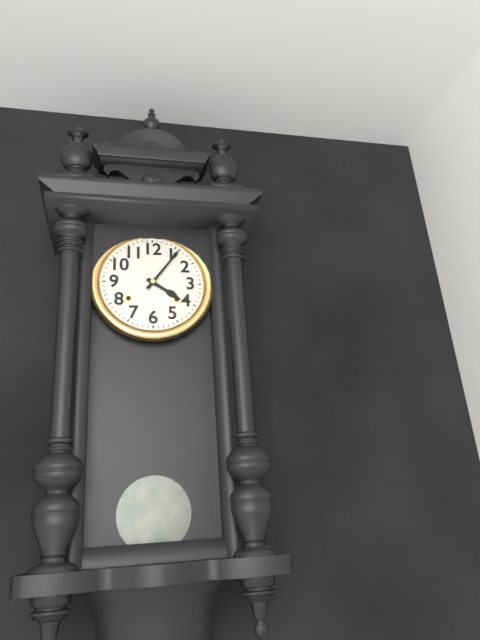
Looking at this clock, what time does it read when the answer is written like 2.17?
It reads 4.06
